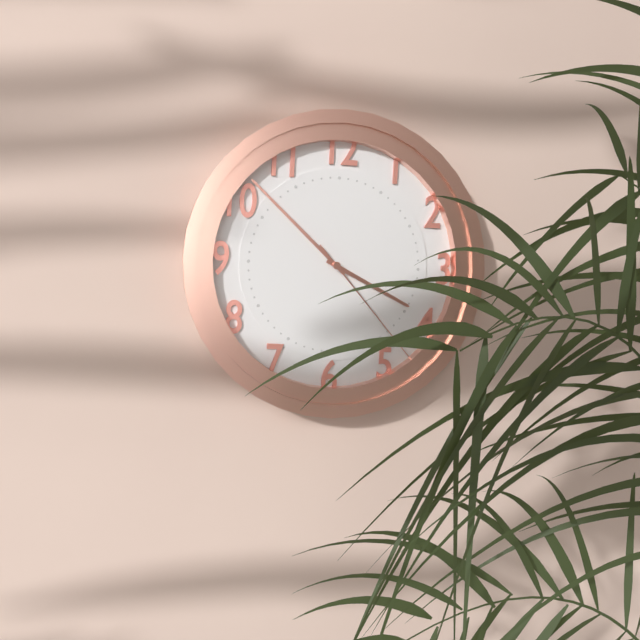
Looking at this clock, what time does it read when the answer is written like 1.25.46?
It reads 3.52.23
